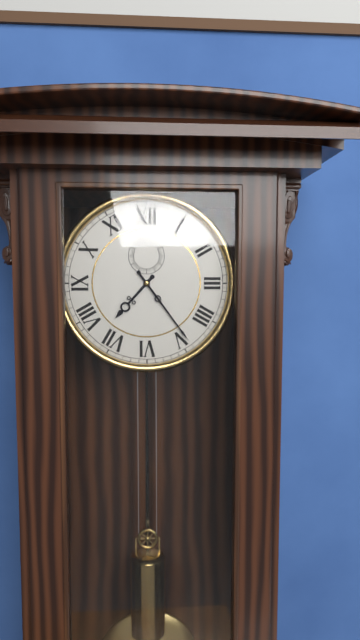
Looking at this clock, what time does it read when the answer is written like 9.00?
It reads 7.24
